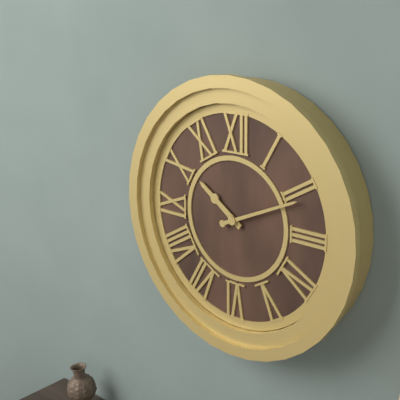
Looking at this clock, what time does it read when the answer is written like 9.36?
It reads 10.11
